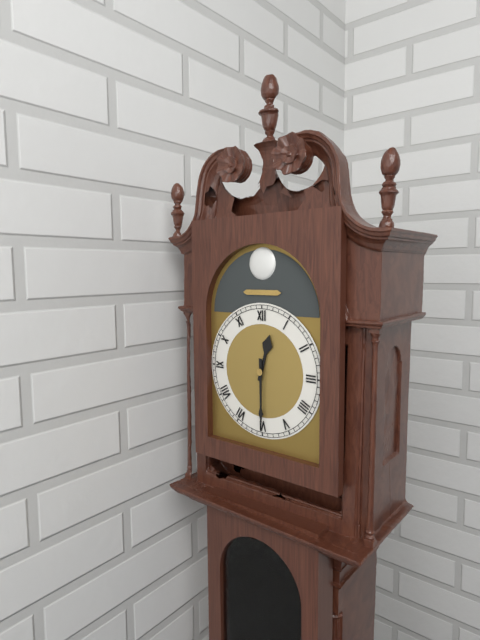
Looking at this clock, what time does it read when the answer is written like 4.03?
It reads 12.30
